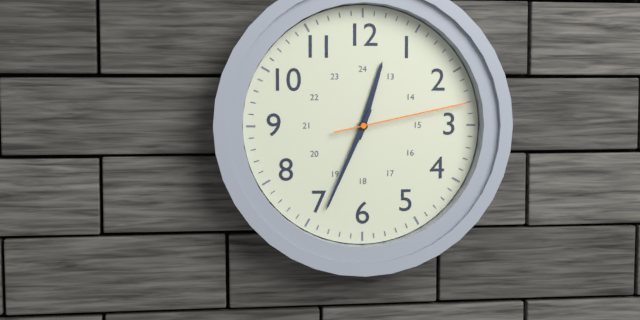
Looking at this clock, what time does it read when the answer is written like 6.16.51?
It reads 12.34.13
